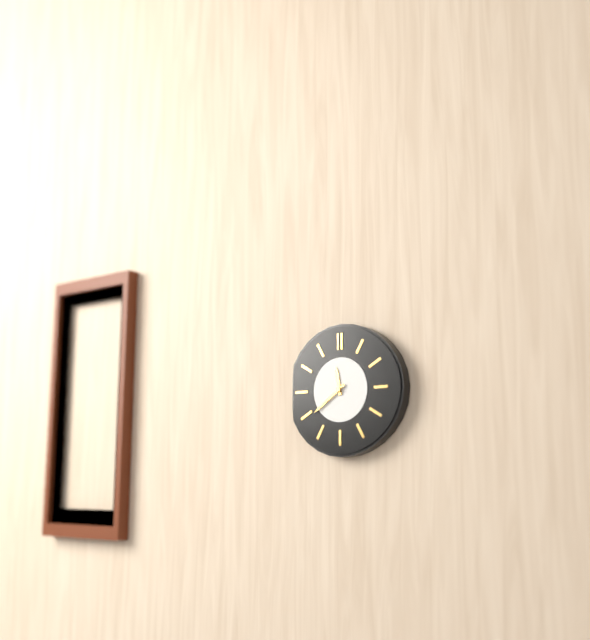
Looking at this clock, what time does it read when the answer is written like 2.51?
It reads 11.39
